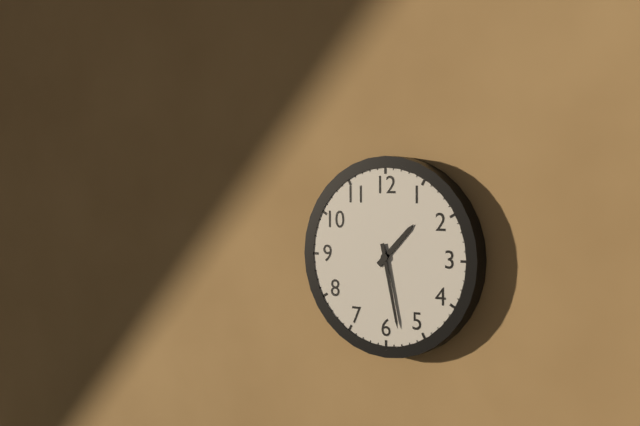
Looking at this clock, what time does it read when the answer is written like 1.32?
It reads 1.28
